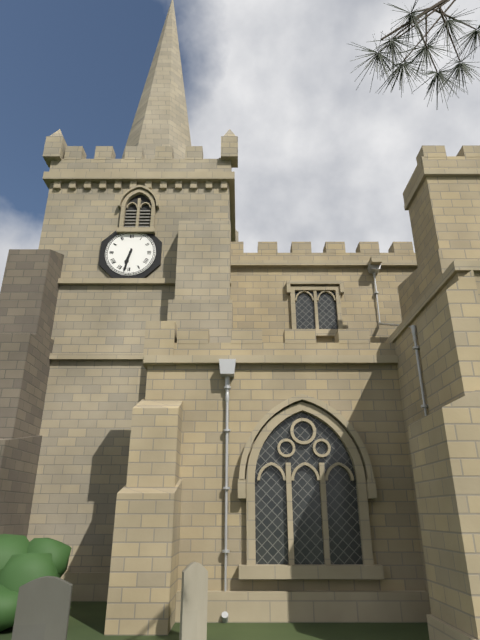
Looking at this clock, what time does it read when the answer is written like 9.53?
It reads 6.32
